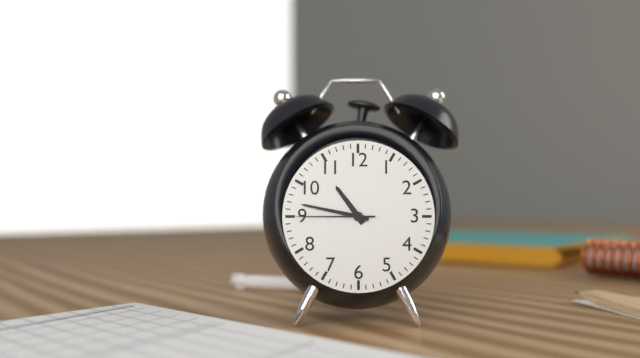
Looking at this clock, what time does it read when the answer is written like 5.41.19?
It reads 10.47.45
